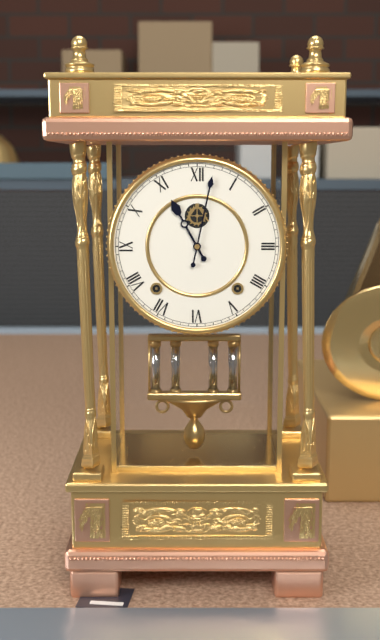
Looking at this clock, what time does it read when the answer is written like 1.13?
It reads 11.02
